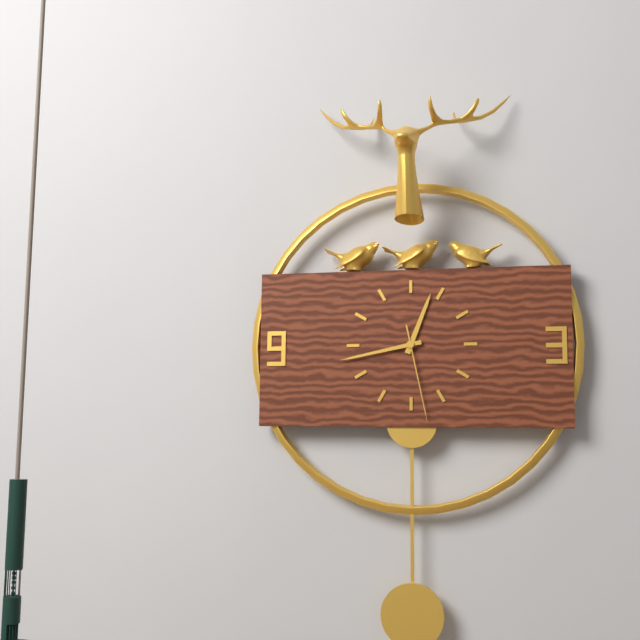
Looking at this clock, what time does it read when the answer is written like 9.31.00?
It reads 12.43.28
